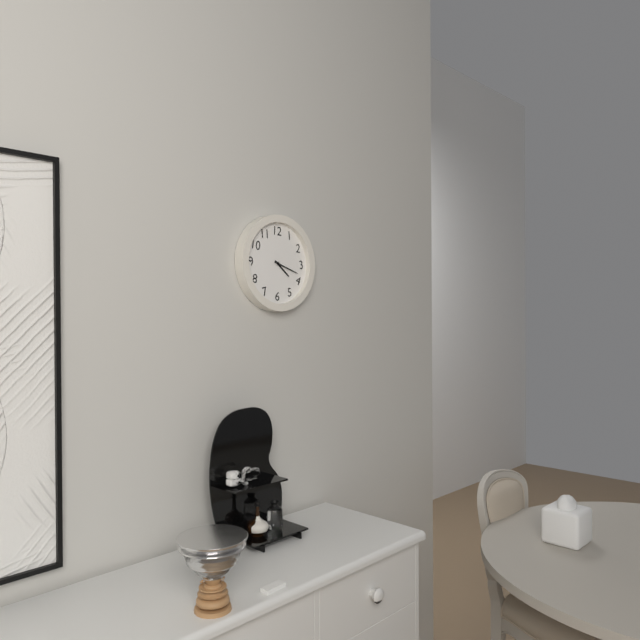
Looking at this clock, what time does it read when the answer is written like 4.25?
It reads 4.18
